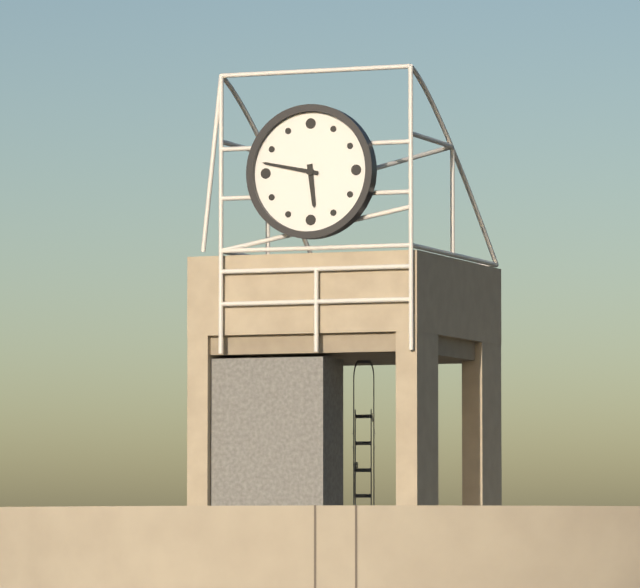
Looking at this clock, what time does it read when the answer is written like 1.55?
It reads 5.47
